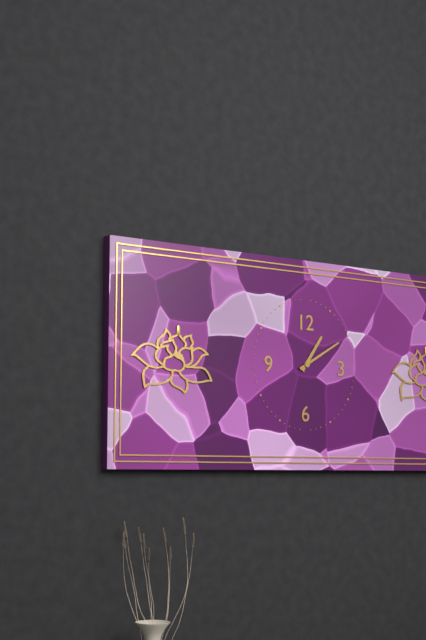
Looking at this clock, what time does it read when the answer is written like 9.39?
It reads 1.10
